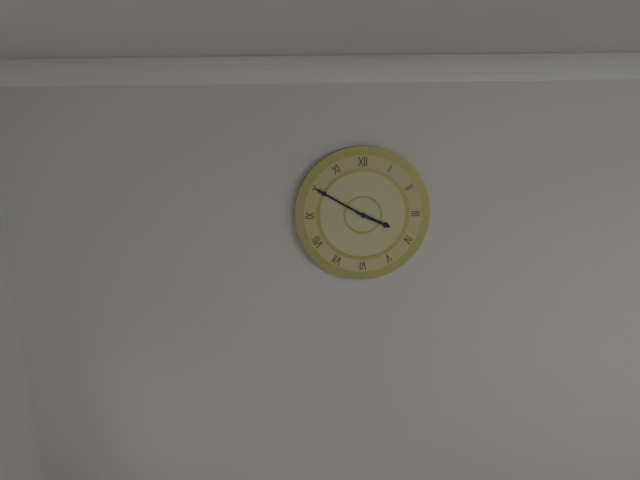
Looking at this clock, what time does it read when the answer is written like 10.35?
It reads 3.50
